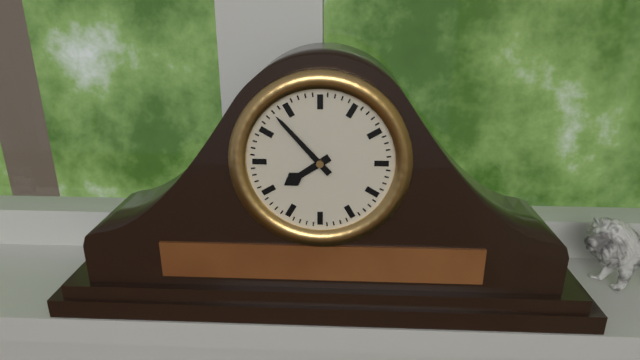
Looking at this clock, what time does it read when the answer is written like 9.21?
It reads 7.53
